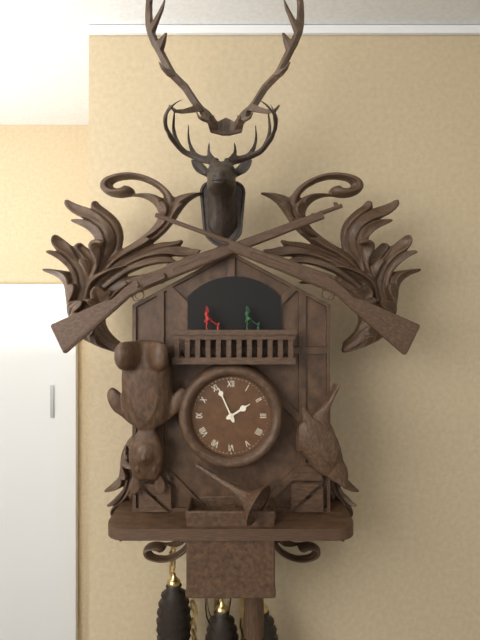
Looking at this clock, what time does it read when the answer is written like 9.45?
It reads 1.56
